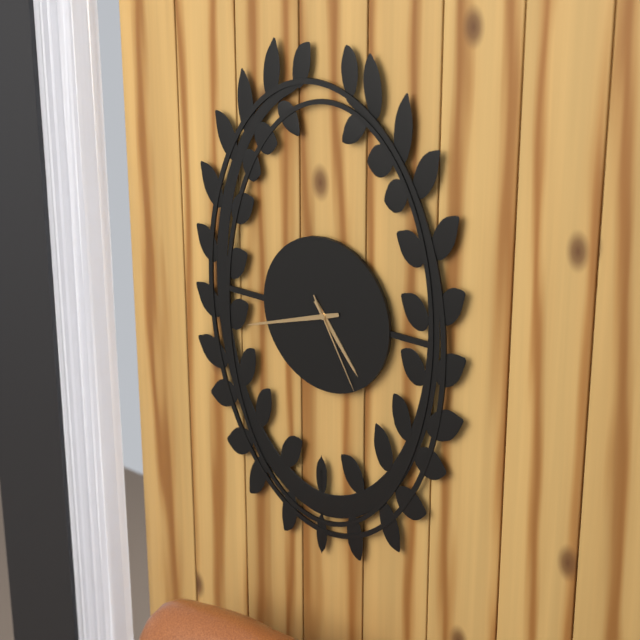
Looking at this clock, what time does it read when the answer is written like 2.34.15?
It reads 4.42.25
